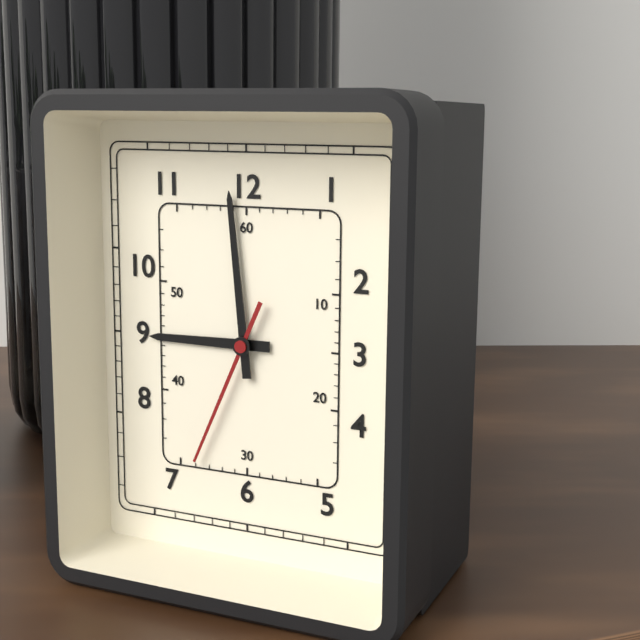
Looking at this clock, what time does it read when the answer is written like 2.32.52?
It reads 8.59.34
